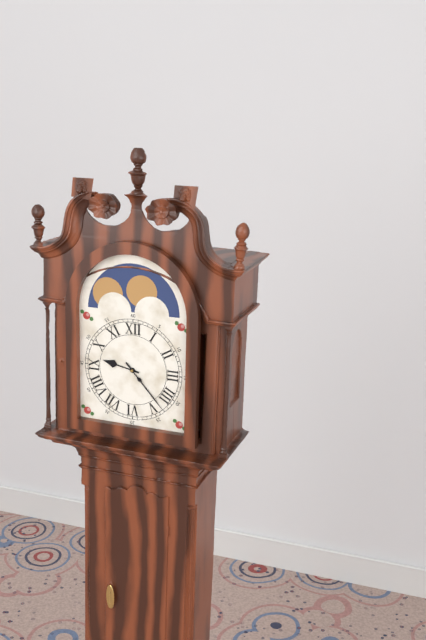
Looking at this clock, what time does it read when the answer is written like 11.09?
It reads 9.23
